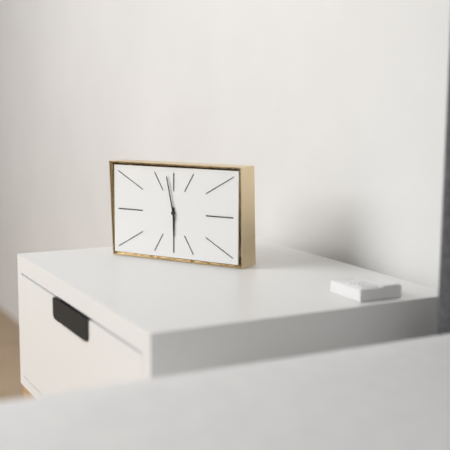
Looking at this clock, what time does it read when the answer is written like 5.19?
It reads 5.58
